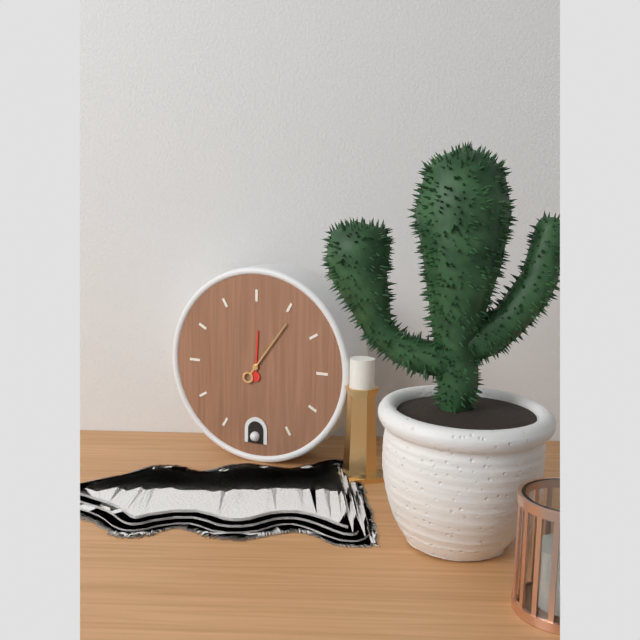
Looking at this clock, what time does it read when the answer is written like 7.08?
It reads 12.06
